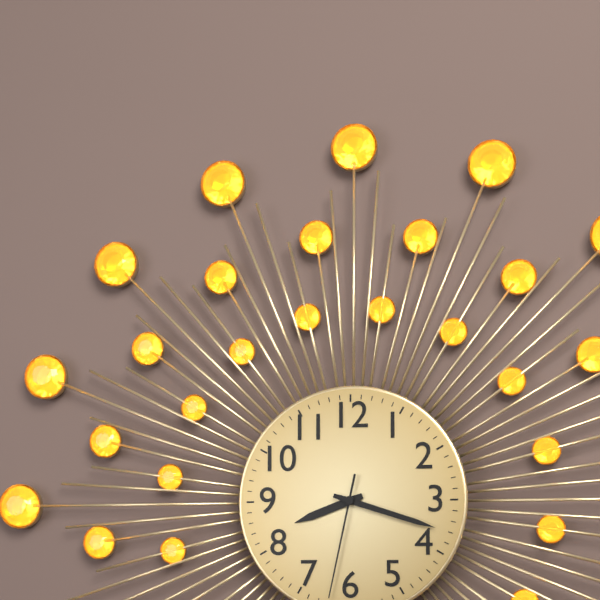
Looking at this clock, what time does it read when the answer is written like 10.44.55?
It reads 8.18.32
